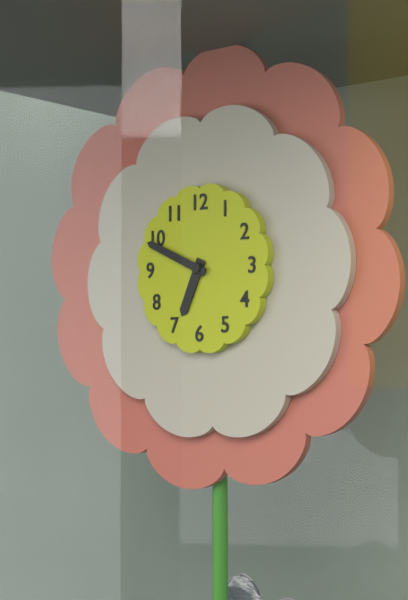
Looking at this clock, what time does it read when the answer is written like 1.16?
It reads 6.49
